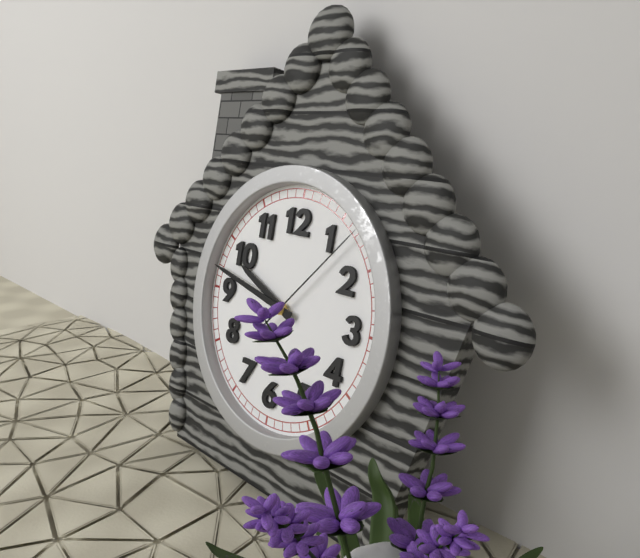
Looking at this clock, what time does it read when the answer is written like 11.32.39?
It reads 9.47.07
